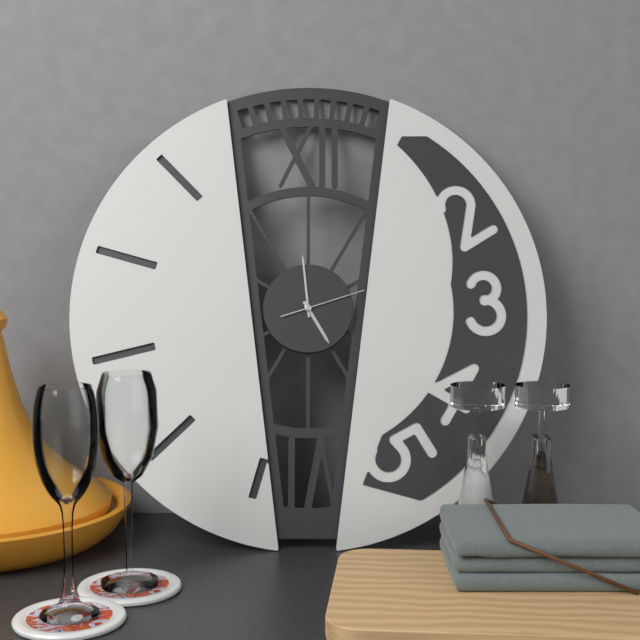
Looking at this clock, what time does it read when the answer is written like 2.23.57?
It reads 4.59.12
